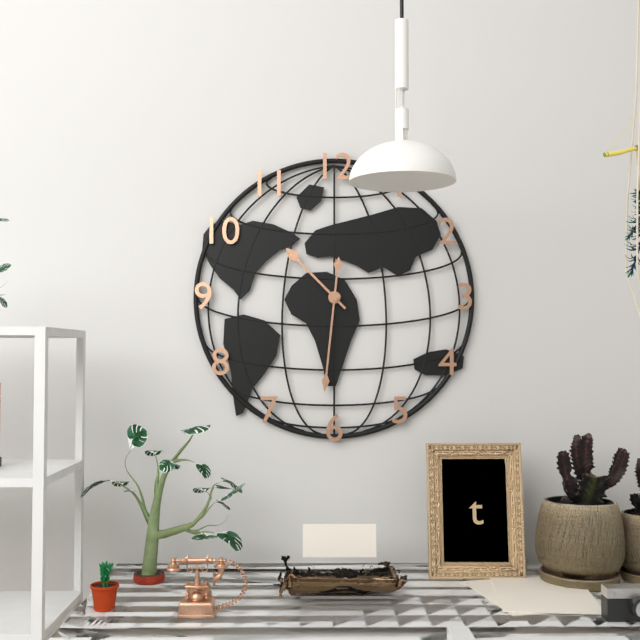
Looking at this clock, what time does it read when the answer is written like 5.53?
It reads 10.31
